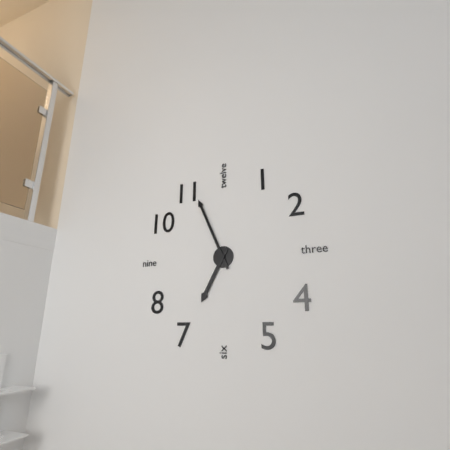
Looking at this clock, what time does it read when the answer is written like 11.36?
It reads 6.56
